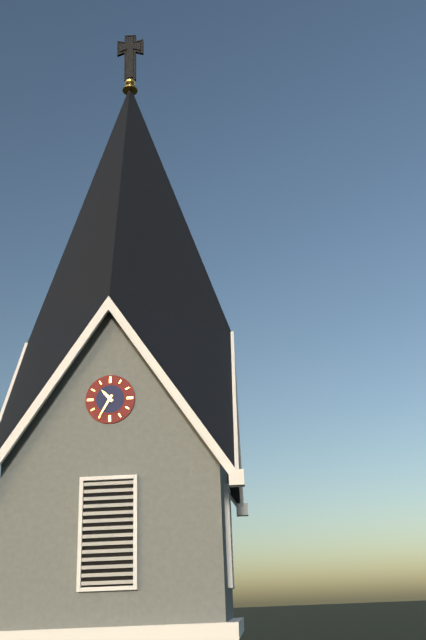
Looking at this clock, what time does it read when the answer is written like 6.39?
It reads 10.35
